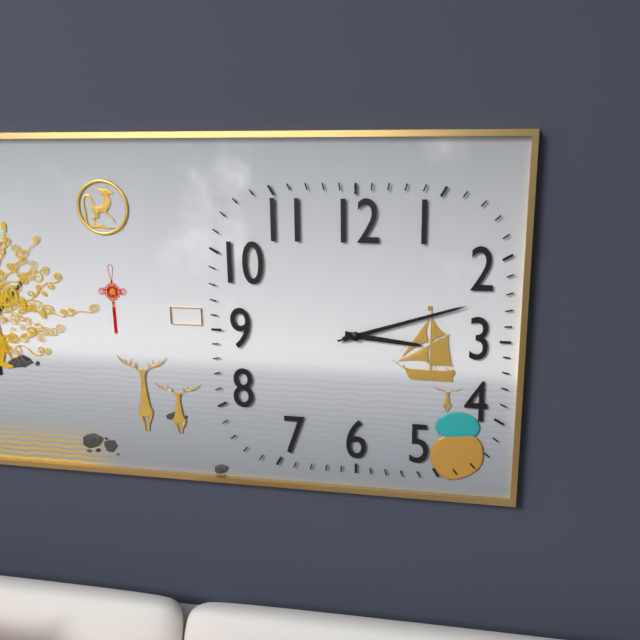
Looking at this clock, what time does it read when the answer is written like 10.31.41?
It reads 3.12.12
